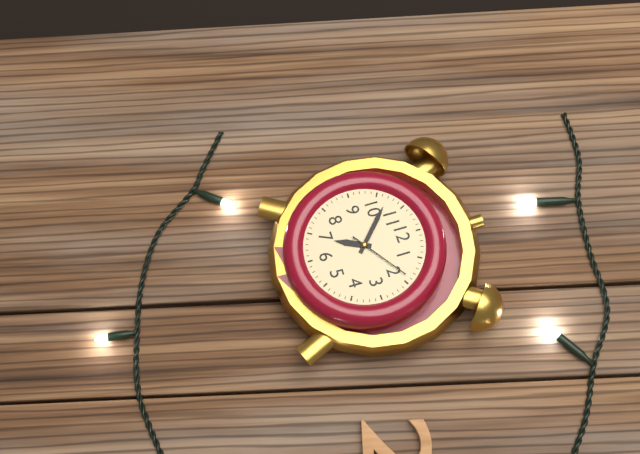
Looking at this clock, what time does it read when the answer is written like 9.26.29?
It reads 6.52.09
